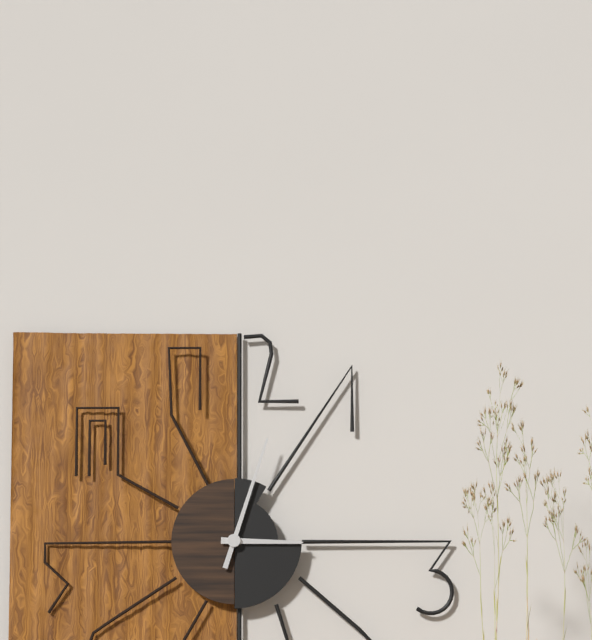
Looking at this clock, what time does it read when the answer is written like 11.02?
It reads 3.03
